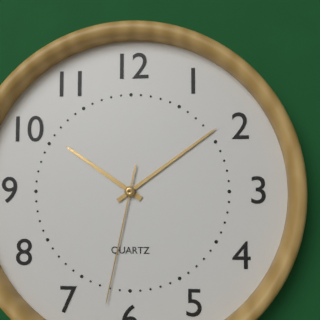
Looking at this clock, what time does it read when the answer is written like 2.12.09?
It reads 10.09.32
